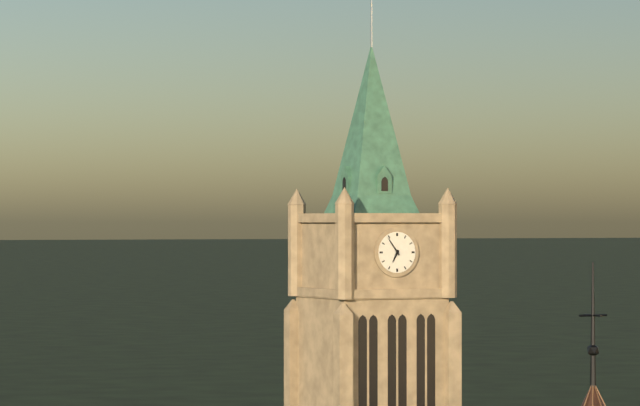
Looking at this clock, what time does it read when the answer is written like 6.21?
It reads 6.54
